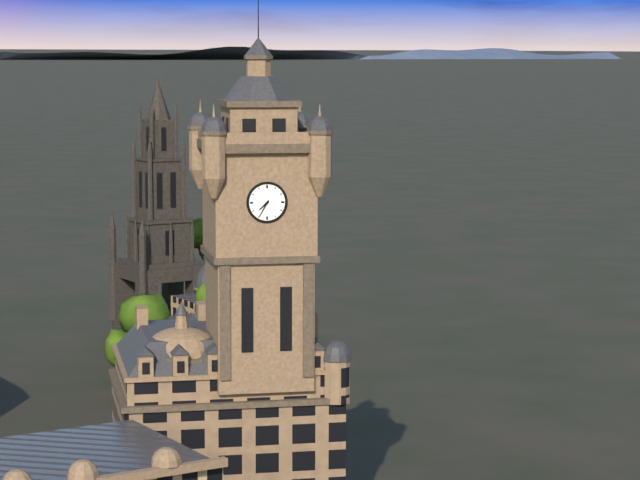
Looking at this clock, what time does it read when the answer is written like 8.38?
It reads 7.35
